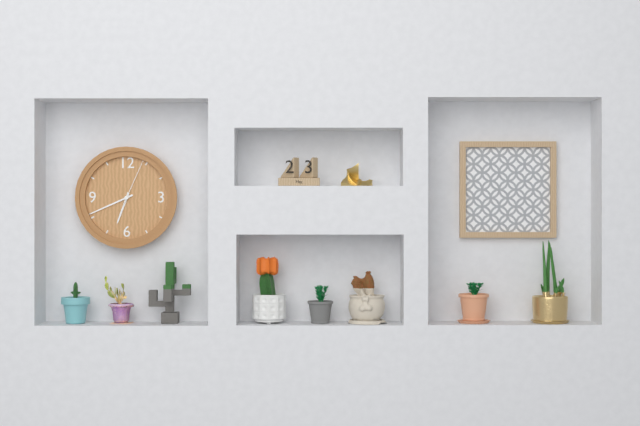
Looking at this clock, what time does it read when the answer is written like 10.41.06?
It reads 6.41.04
